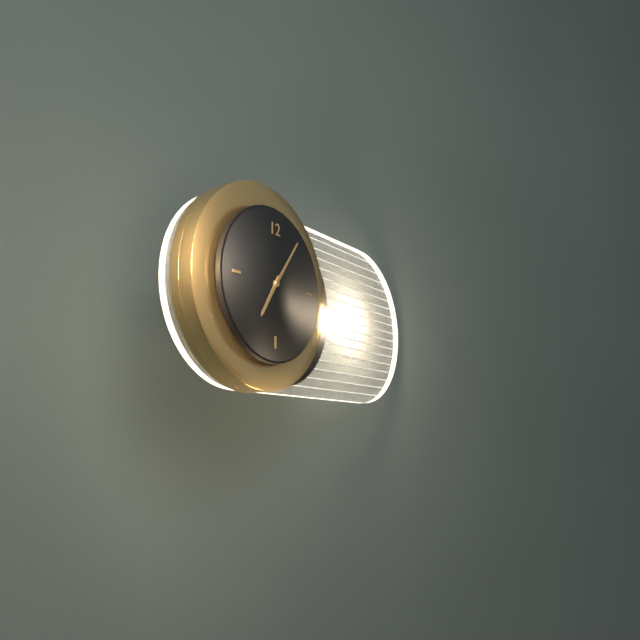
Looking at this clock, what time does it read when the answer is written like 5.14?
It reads 7.06
